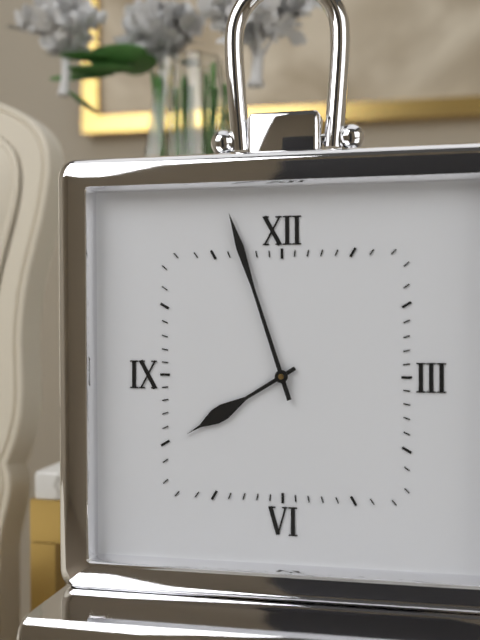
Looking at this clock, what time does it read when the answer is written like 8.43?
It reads 7.57
